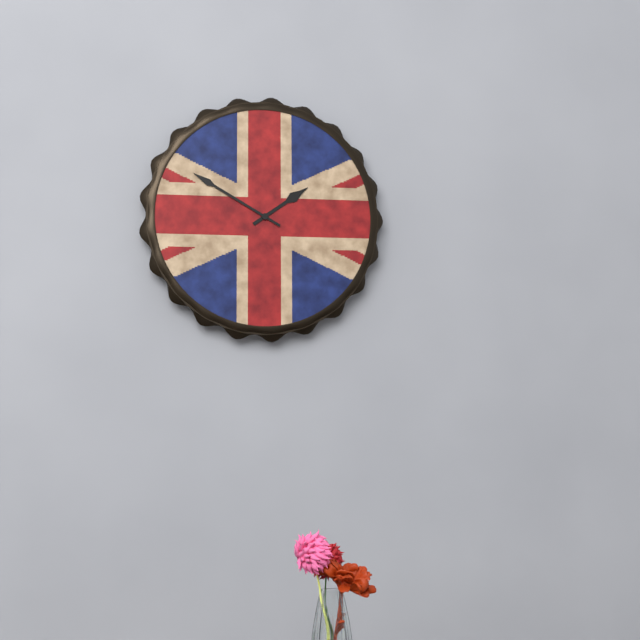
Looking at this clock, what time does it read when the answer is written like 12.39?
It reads 1.50
